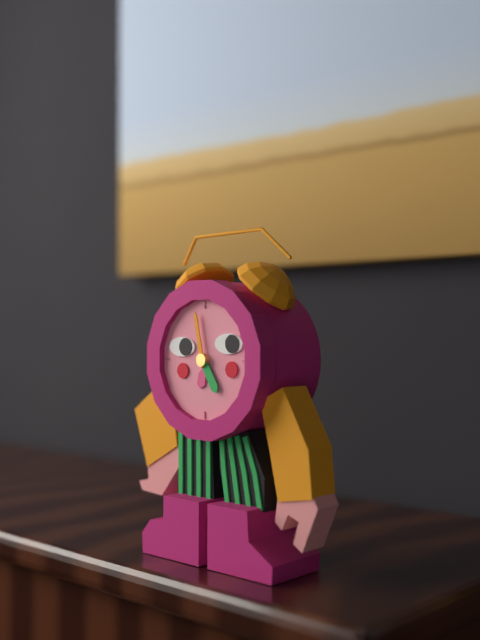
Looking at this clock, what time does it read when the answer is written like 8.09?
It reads 4.58
